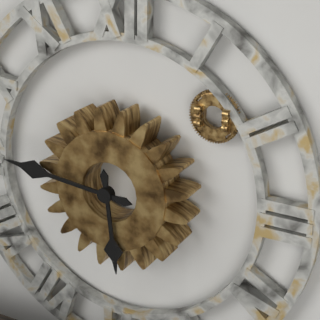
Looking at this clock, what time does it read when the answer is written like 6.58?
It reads 5.46
